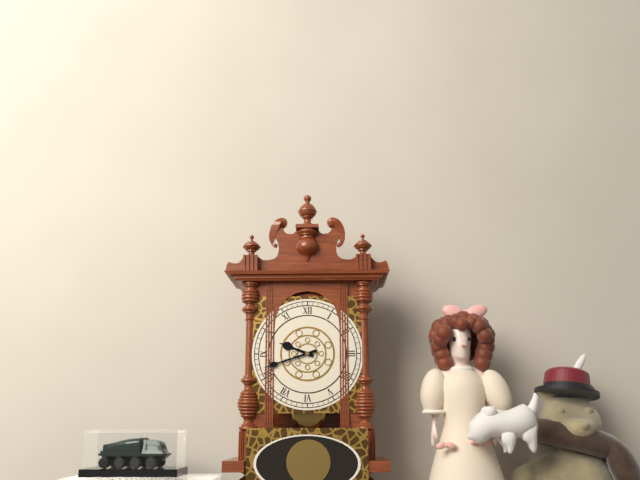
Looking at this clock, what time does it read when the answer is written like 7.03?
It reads 9.42
